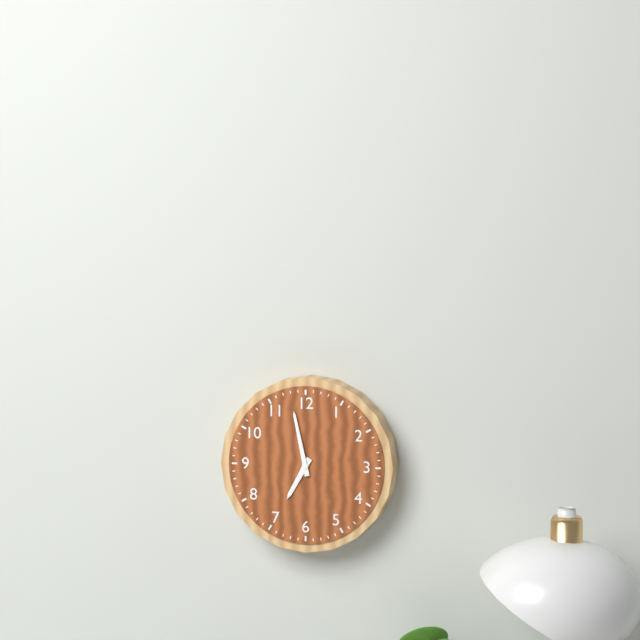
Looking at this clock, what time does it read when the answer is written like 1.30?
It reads 6.58
